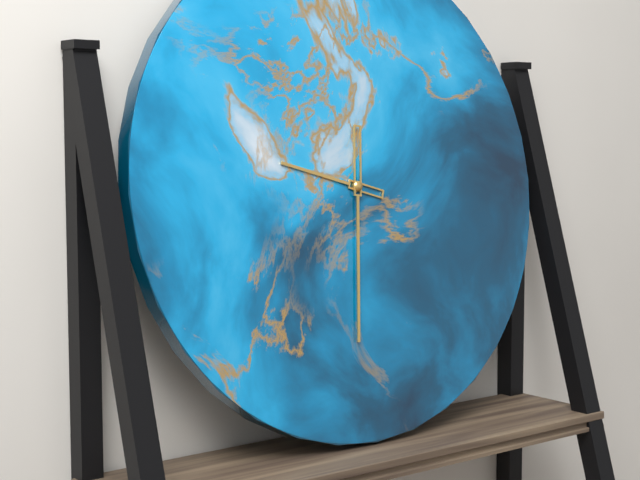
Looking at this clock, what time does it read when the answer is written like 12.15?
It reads 9.31
